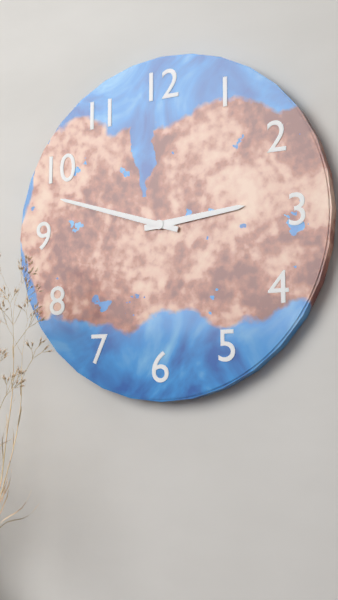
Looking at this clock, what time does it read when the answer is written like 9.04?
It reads 2.48
